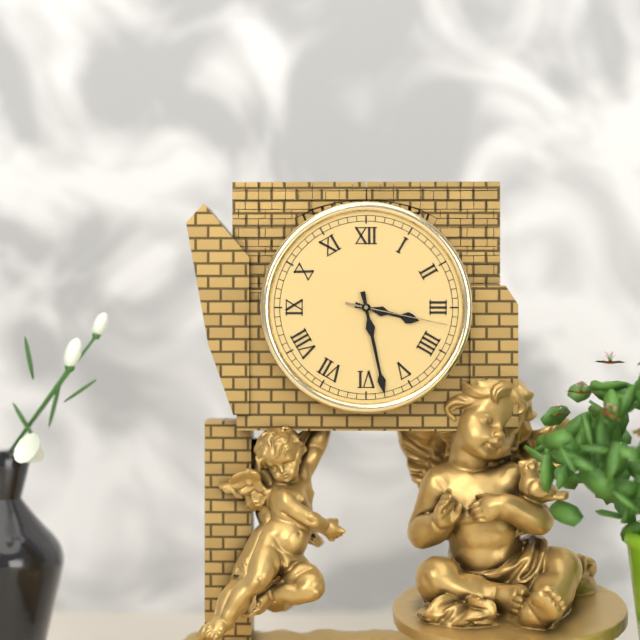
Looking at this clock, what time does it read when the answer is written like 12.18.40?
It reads 3.28.17
